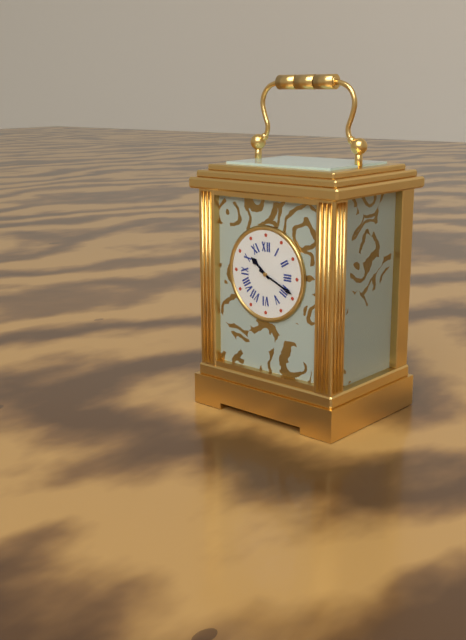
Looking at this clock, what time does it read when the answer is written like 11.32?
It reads 10.19
